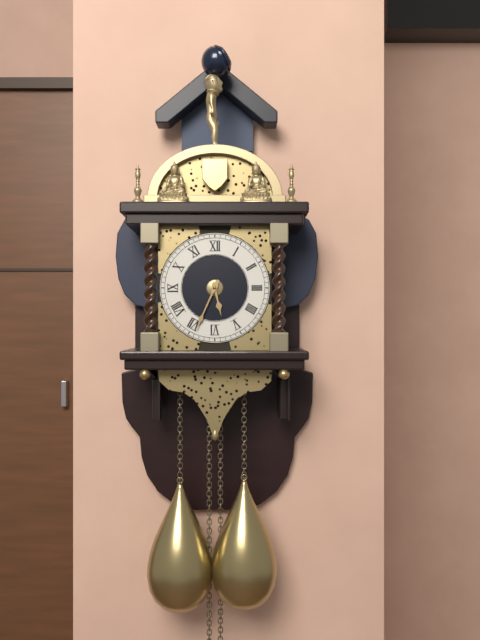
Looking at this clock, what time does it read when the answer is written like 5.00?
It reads 5.34
